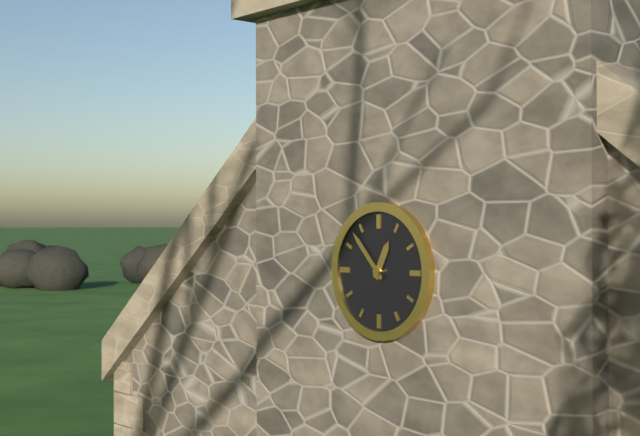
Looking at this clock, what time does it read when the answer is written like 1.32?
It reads 12.53
